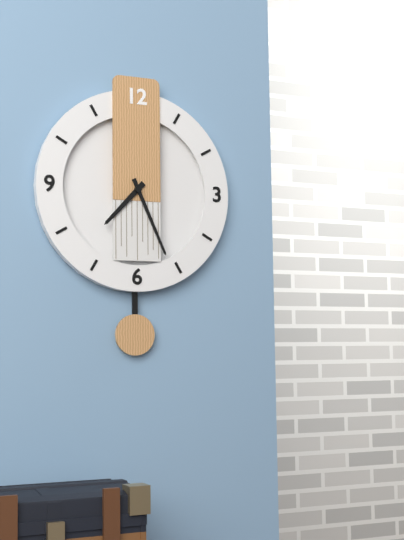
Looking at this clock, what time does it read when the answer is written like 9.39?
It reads 7.26
